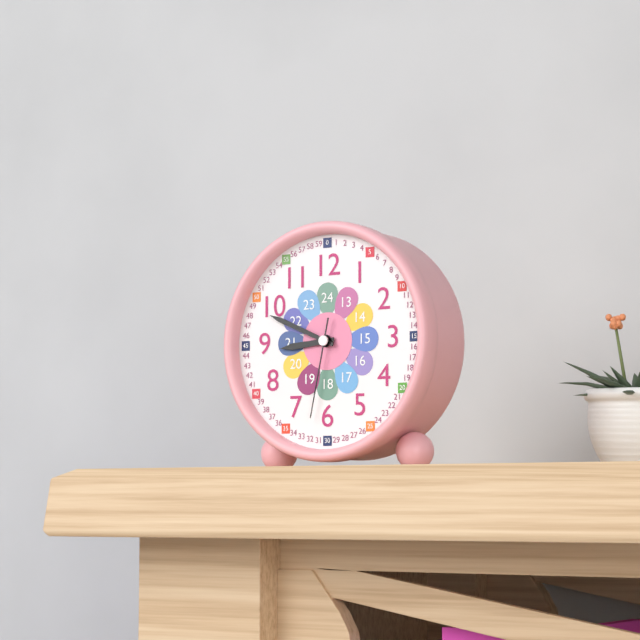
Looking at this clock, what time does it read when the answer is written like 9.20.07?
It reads 8.49.32
